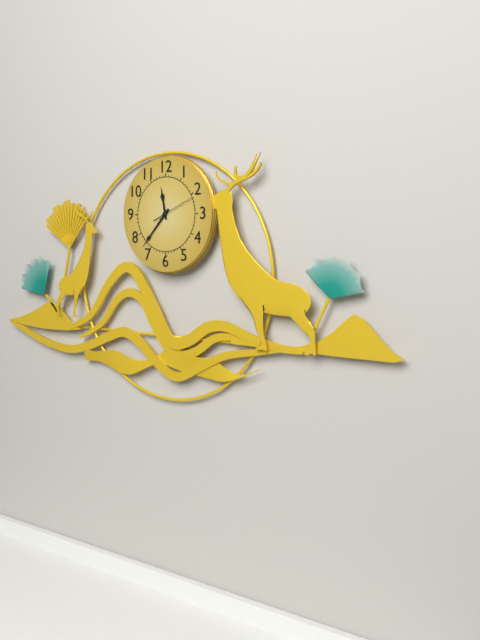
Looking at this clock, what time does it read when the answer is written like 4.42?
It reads 11.37
